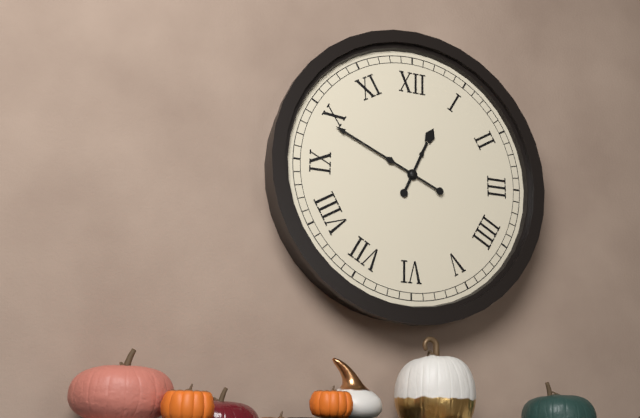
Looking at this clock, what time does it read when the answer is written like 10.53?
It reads 12.49
